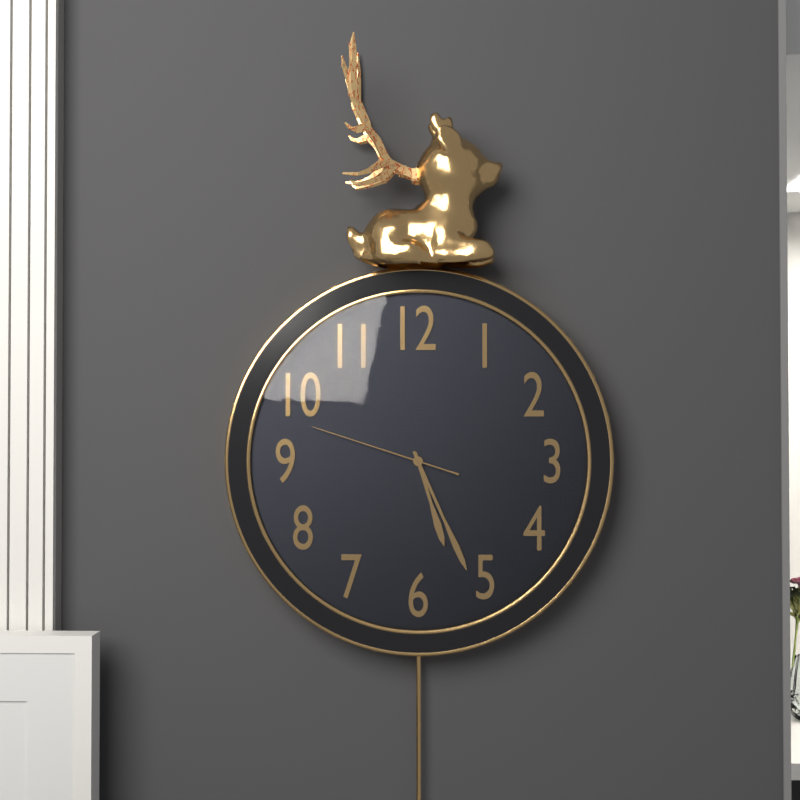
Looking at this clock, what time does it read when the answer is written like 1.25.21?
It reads 5.26.48
